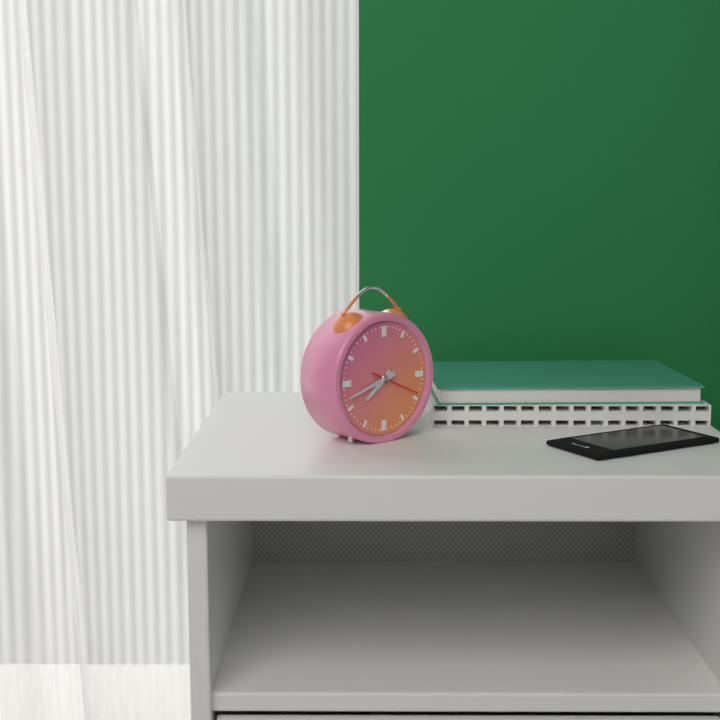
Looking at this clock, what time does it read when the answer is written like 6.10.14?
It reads 7.42.19
